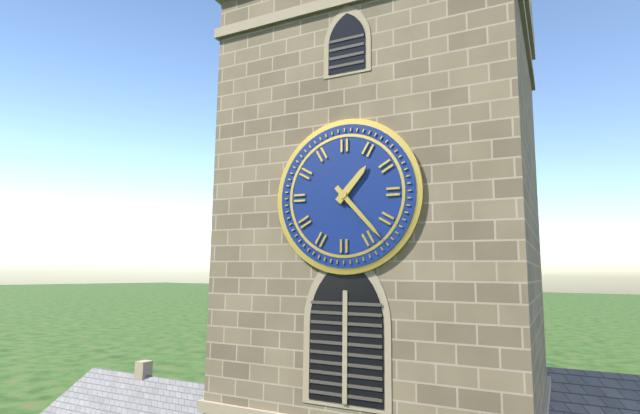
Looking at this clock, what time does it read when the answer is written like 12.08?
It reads 1.23
